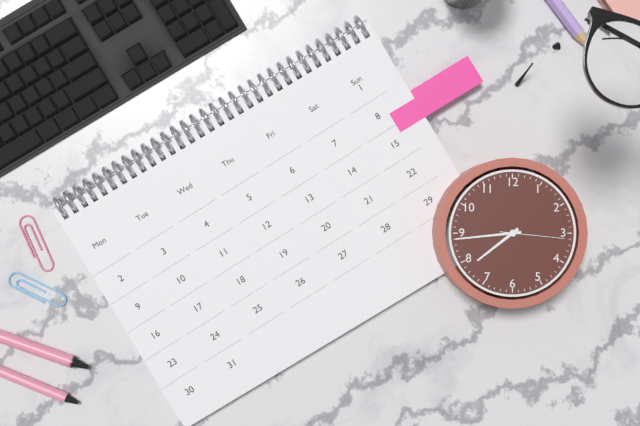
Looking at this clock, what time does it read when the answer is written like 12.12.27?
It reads 7.44.16
